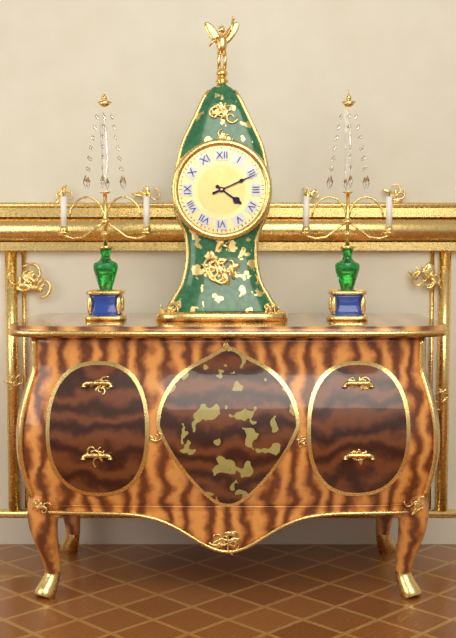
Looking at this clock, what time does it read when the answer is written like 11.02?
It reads 4.11
